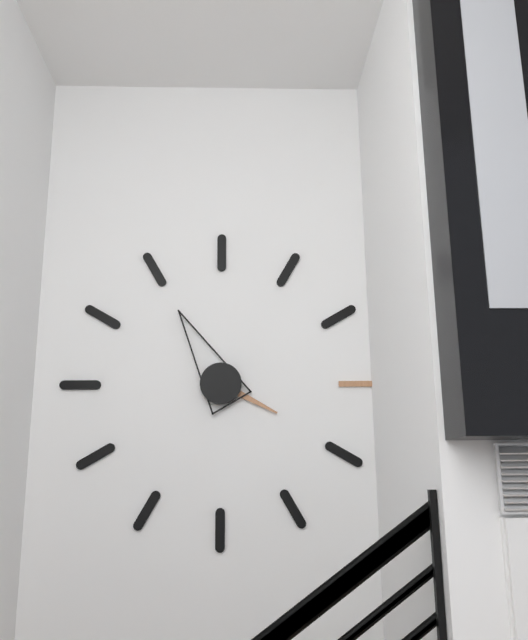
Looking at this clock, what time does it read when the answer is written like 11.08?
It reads 3.55
